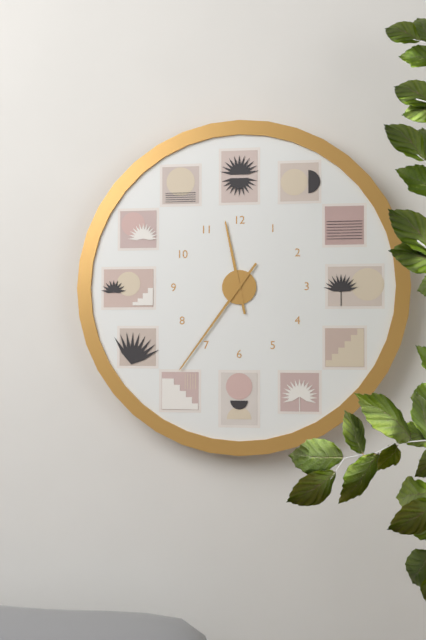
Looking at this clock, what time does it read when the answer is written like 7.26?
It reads 11.36
